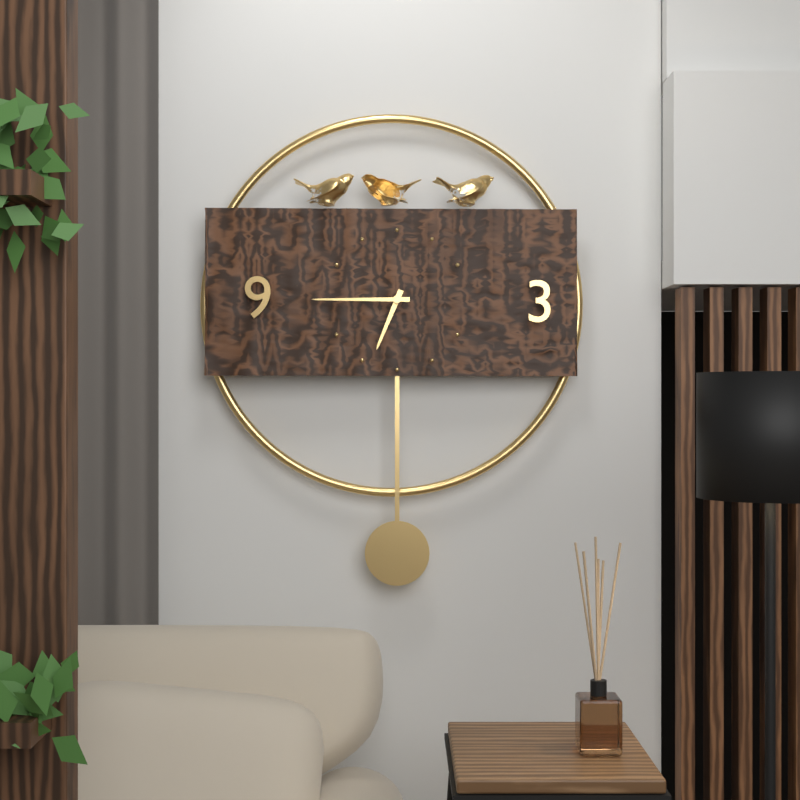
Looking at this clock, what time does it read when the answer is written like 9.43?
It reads 6.45
